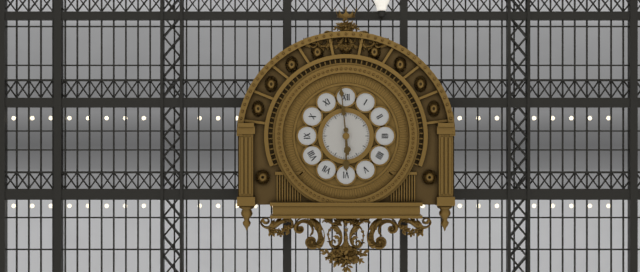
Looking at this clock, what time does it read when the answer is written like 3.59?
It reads 5.59
